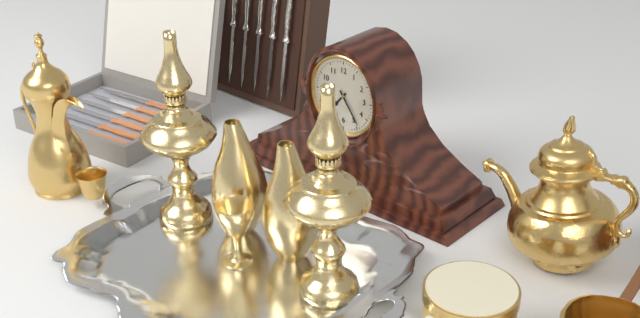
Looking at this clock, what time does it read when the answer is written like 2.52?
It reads 7.24
